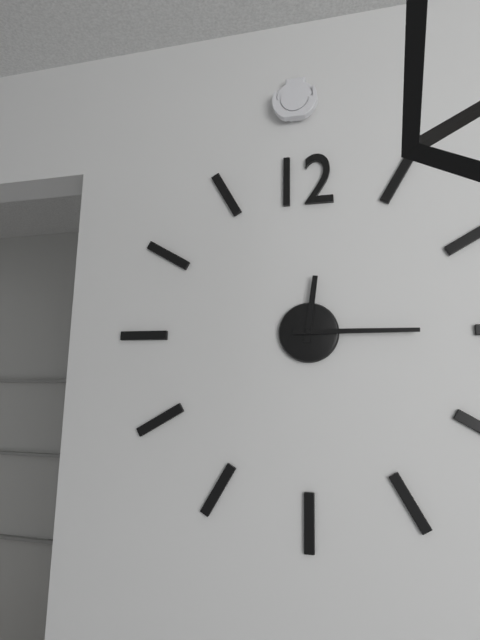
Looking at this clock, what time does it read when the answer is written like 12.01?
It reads 12.15
